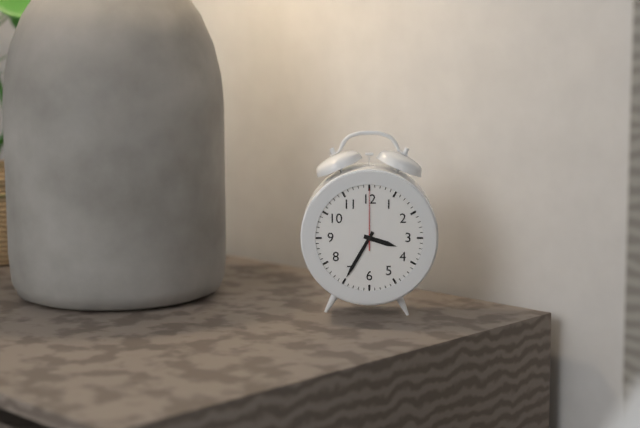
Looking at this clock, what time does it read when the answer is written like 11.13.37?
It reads 3.35.00
